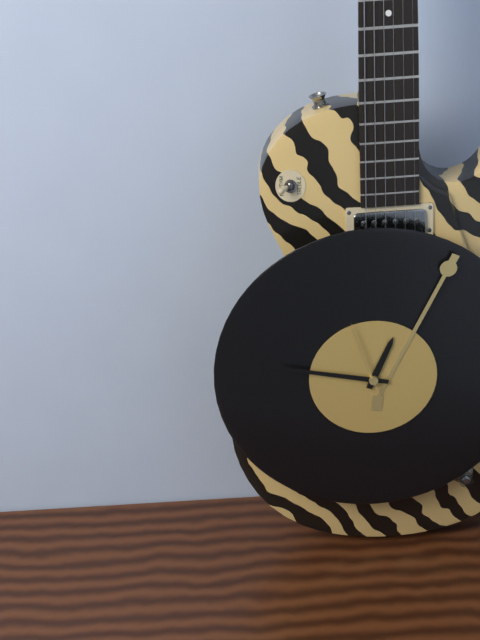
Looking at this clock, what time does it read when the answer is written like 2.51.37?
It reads 12.47.57
